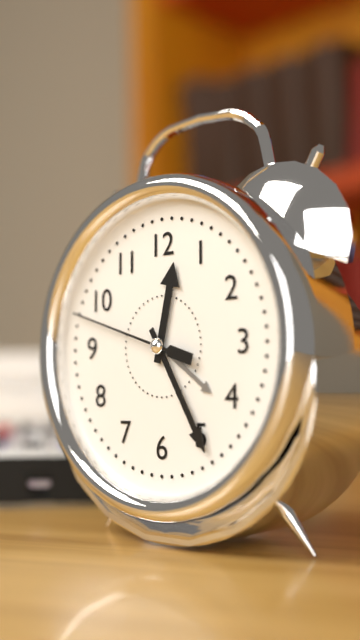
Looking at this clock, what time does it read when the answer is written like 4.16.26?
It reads 12.25.48
